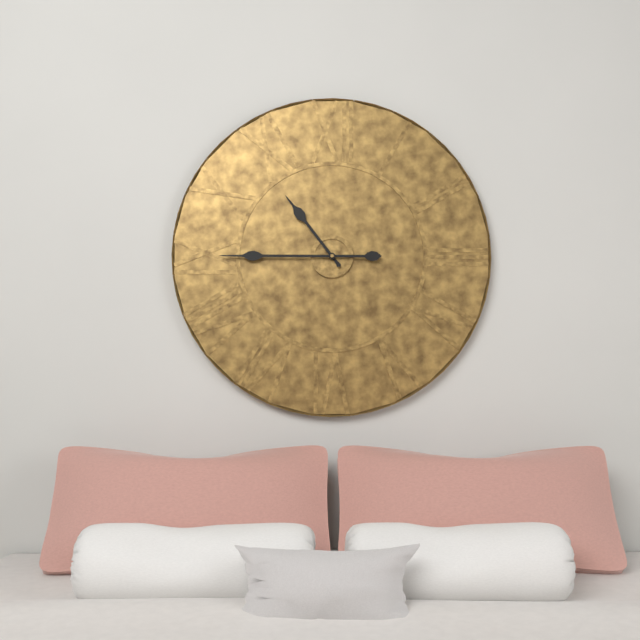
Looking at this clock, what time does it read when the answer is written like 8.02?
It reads 10.45
